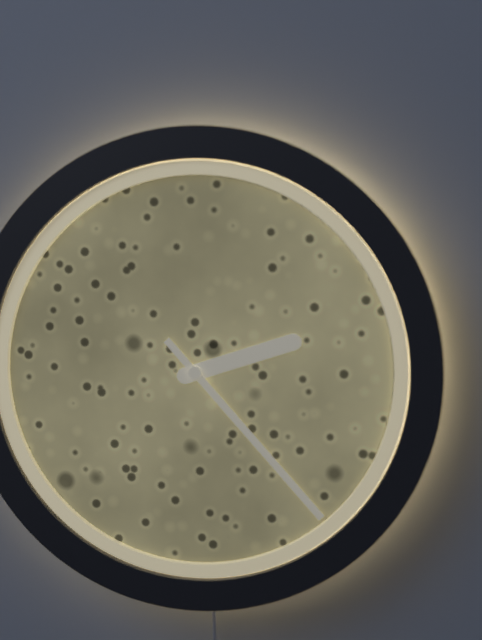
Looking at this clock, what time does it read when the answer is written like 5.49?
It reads 2.23
